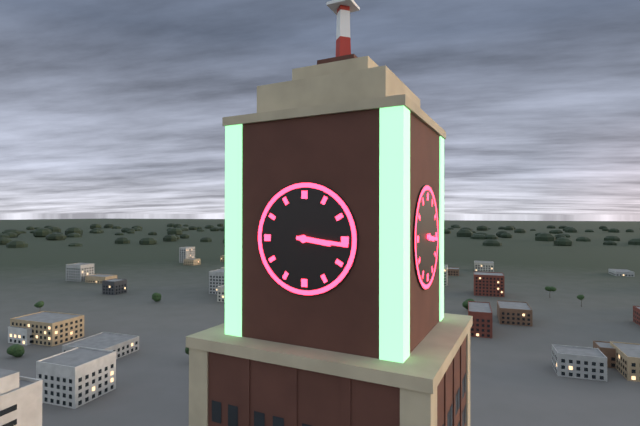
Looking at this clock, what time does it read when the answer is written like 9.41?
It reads 3.16
